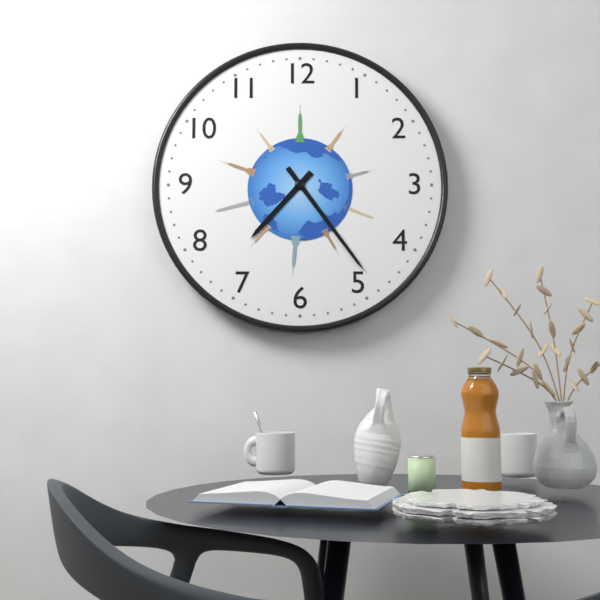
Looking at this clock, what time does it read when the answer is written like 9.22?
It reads 7.24
